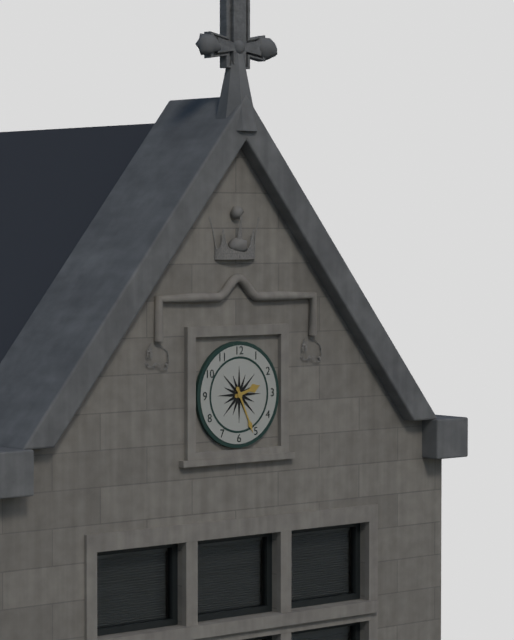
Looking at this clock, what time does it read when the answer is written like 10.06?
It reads 2.26
